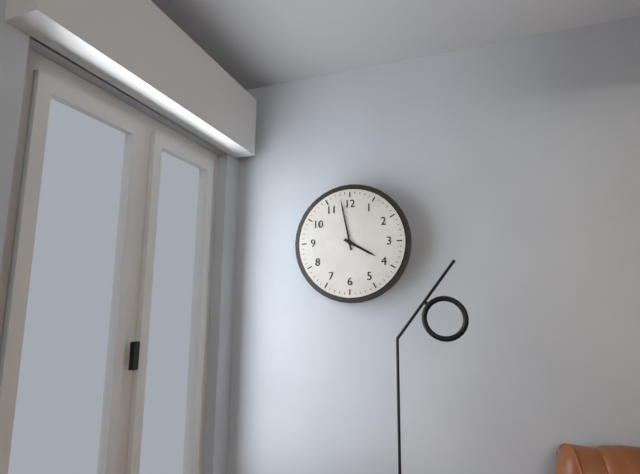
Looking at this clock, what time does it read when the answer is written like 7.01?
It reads 3.58
